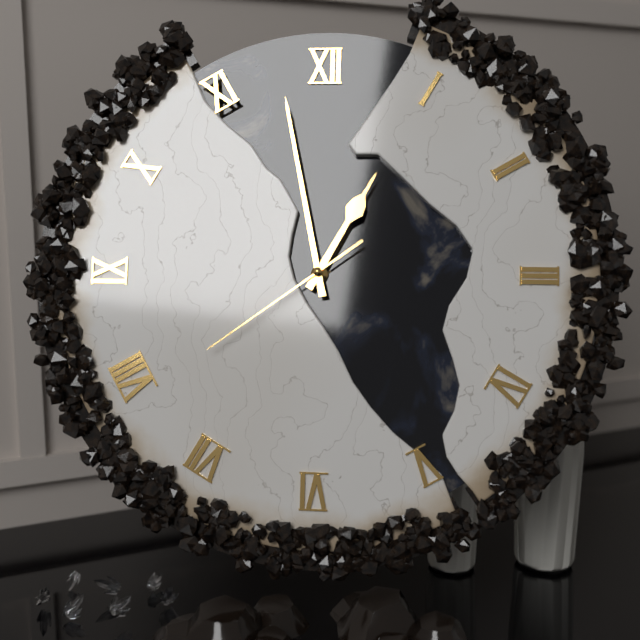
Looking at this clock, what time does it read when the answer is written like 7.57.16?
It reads 12.58.39
